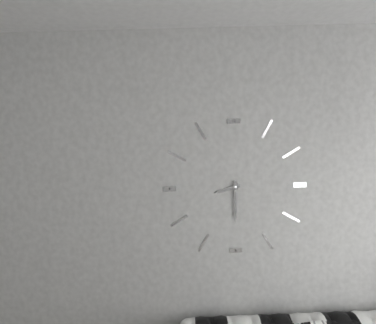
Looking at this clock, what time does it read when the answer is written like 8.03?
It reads 8.30
